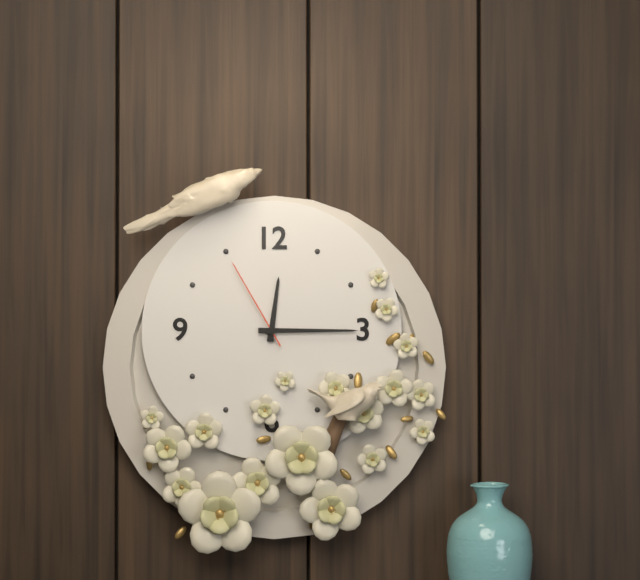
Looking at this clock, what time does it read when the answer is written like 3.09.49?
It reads 12.15.55
